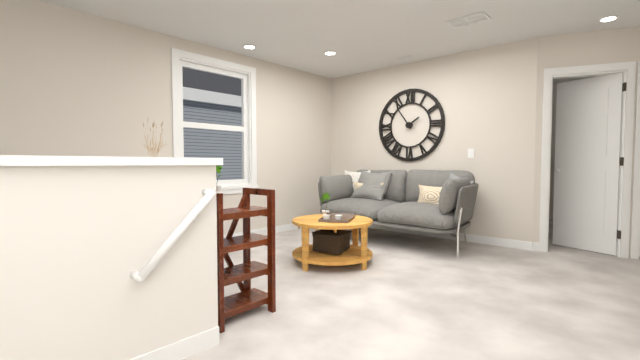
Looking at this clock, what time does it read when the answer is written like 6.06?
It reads 1.54
